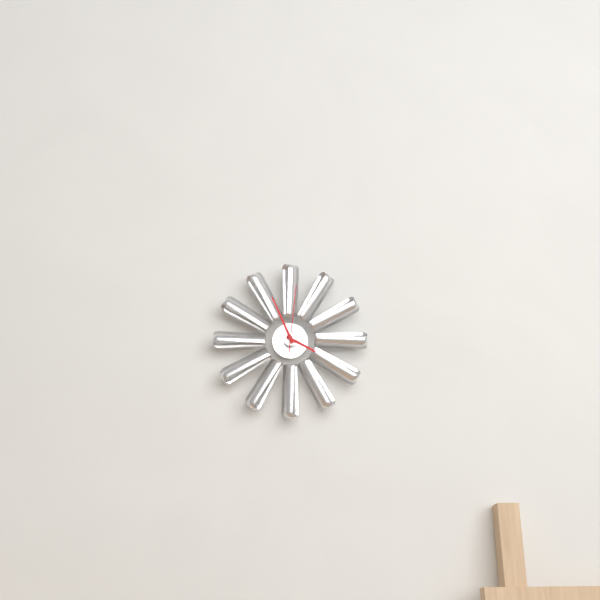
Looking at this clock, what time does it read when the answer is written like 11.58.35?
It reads 3.56.01
